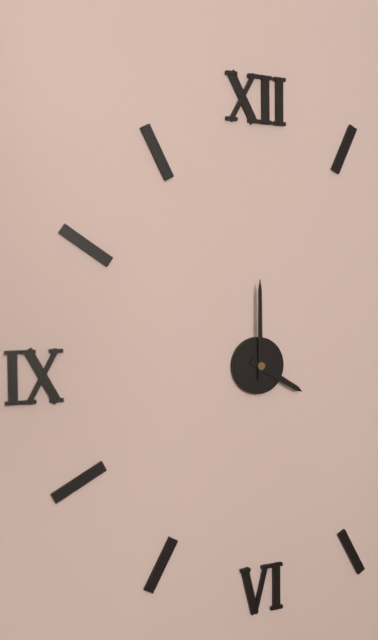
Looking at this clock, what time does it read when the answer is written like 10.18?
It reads 4.00
